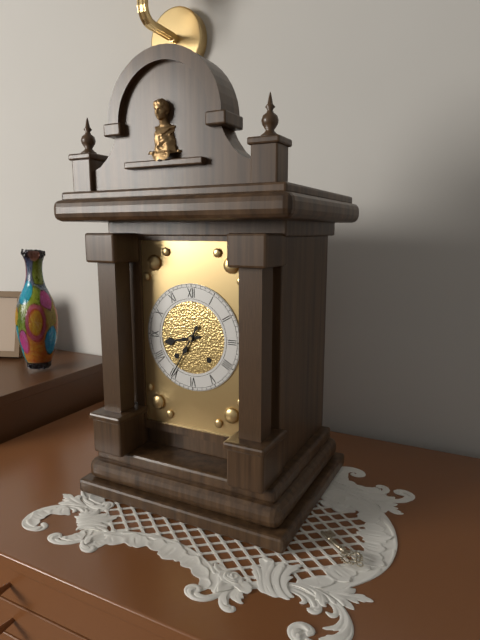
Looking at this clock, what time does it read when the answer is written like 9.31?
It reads 8.35
